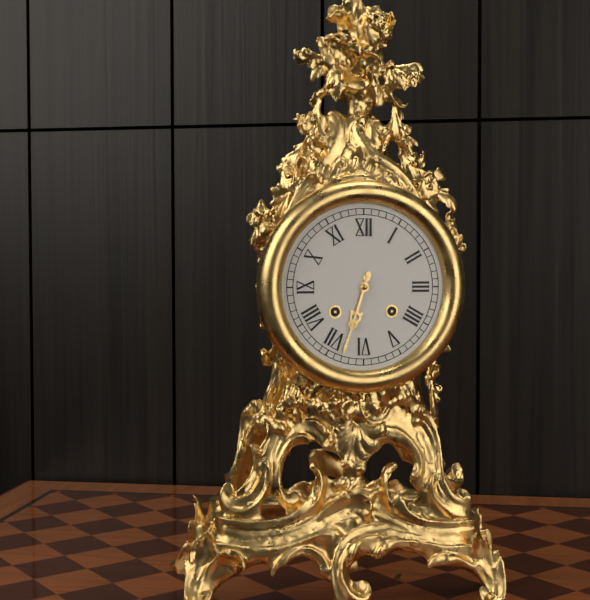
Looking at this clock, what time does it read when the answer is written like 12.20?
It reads 6.33
